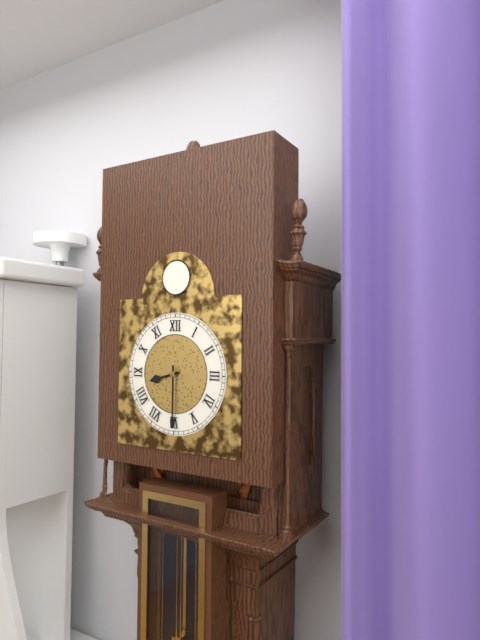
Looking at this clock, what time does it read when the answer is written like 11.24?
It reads 8.30
